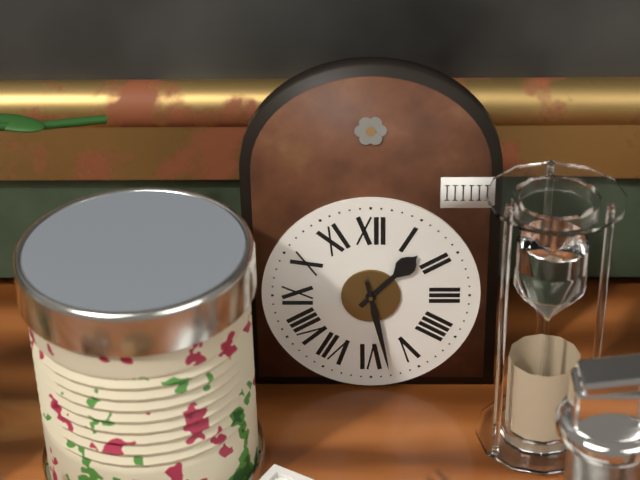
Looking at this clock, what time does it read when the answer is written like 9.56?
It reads 1.28
